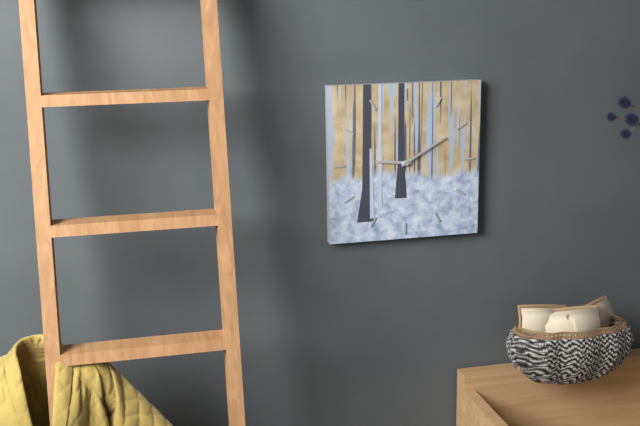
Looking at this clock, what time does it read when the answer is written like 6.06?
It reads 9.10
